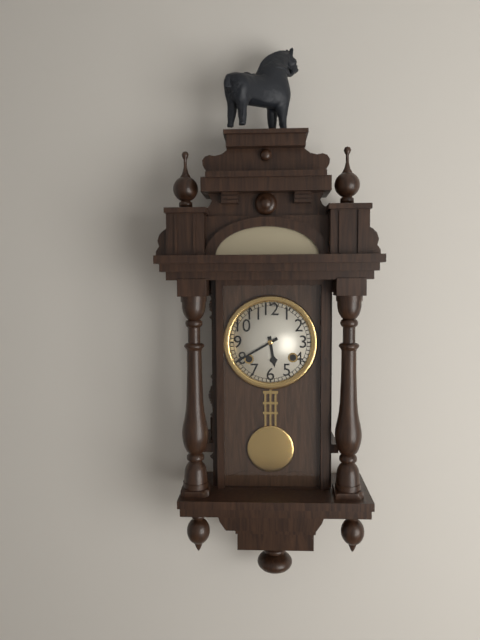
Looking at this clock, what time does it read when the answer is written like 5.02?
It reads 5.40
